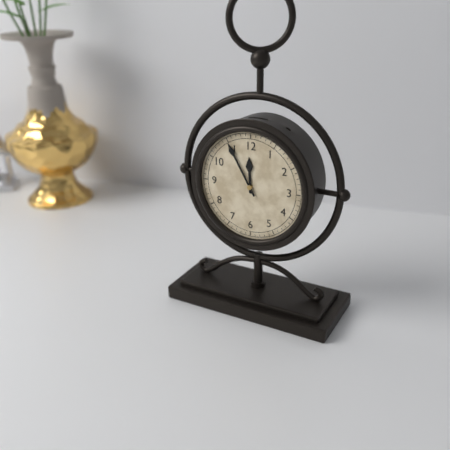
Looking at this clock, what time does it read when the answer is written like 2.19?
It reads 11.55
